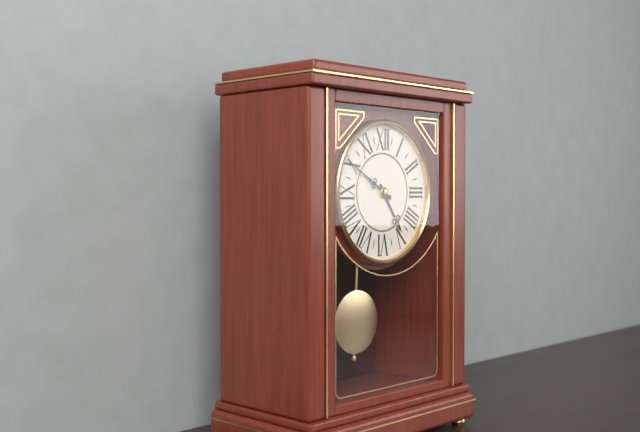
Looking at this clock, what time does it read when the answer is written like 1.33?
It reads 4.50
